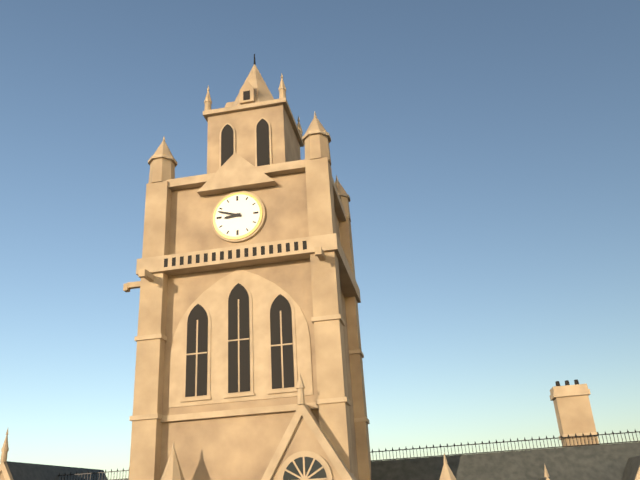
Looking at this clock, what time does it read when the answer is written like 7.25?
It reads 8.48
